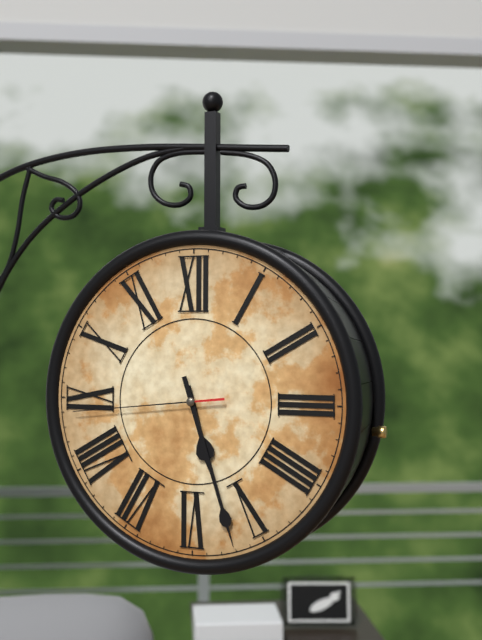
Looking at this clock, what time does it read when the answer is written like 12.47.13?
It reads 5.27.44
